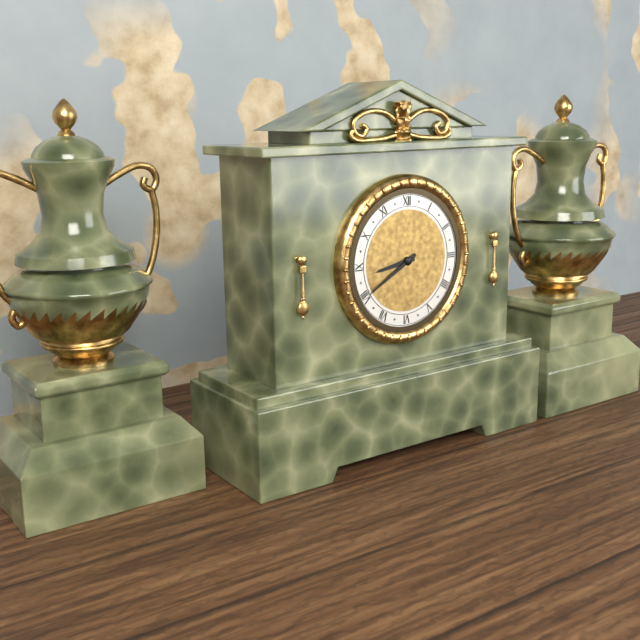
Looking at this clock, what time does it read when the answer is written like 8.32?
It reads 8.40
